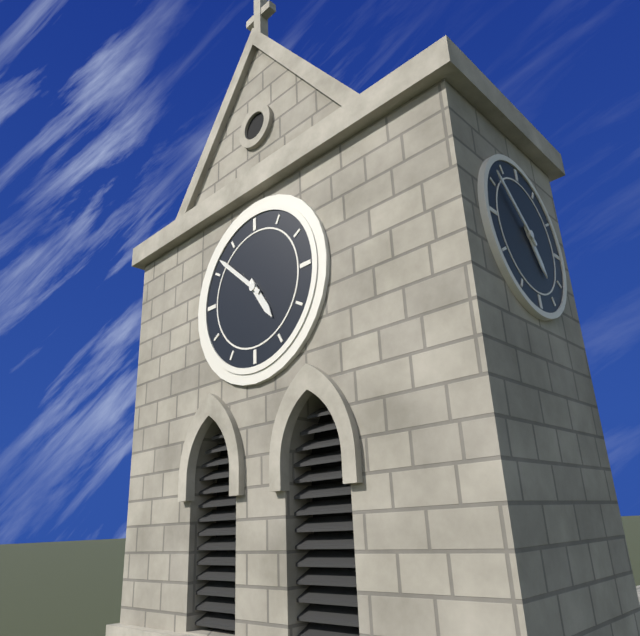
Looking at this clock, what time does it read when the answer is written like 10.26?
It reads 4.52
